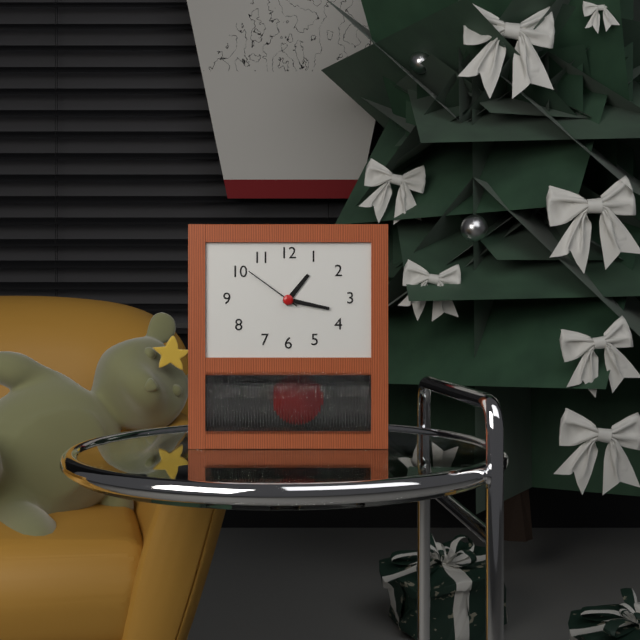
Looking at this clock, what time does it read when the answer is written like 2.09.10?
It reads 1.17.51
